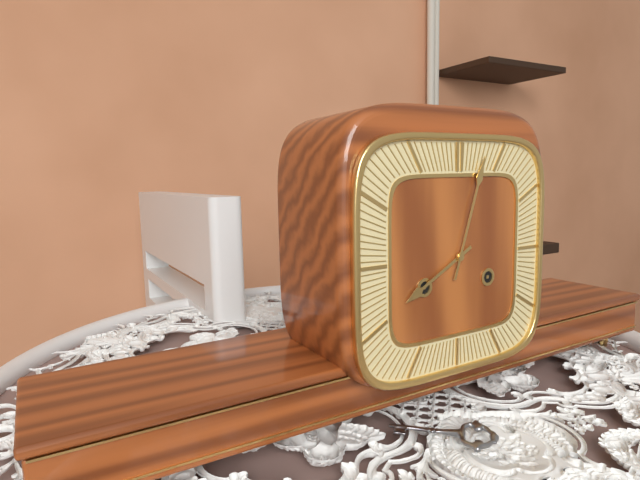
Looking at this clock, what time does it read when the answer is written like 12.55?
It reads 8.03
